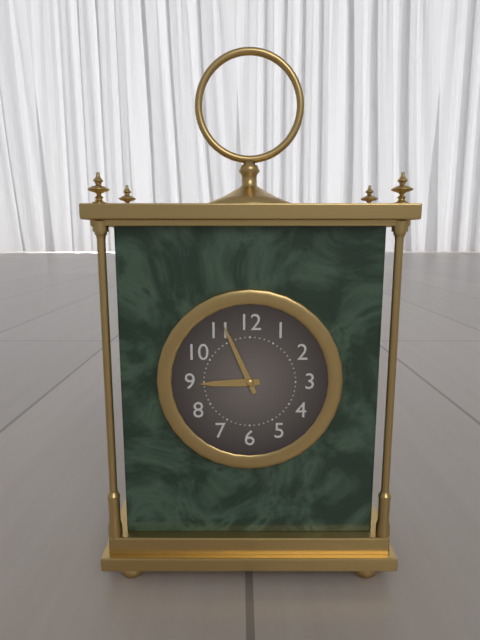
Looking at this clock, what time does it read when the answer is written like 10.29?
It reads 8.56
